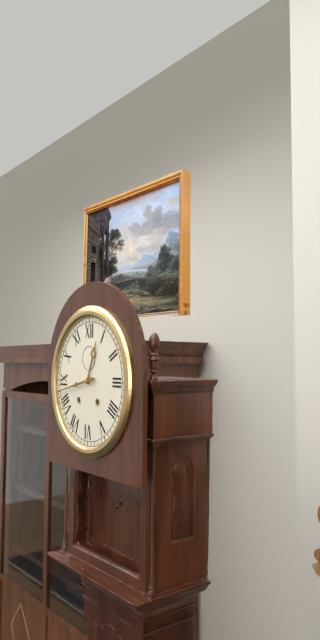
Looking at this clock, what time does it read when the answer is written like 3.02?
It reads 12.43
